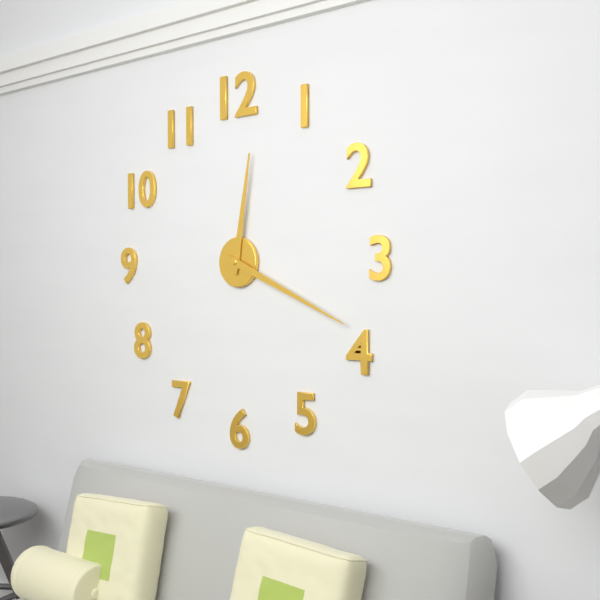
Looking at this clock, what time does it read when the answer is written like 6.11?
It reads 12.19
